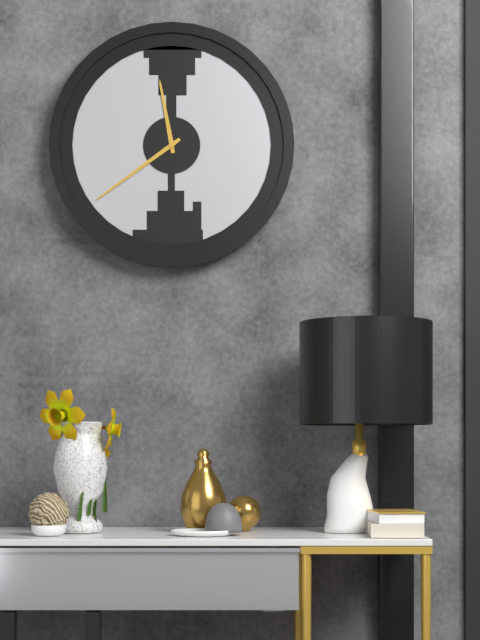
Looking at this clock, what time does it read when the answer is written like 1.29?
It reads 11.39
